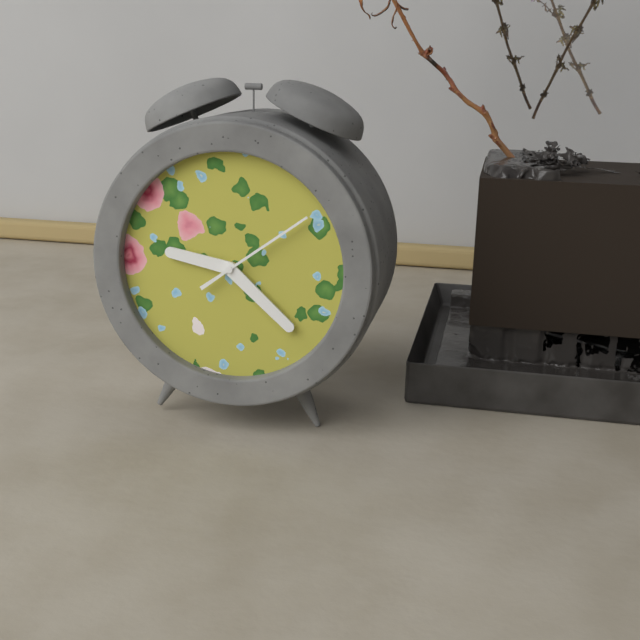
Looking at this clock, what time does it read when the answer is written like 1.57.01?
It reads 9.22.09
